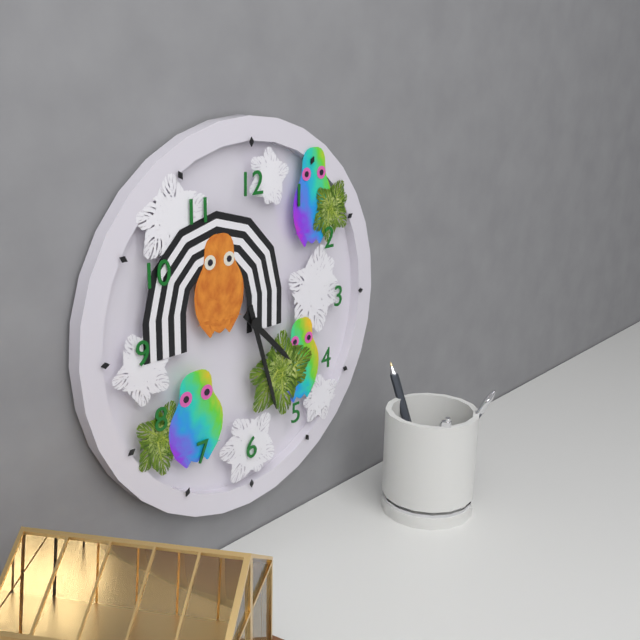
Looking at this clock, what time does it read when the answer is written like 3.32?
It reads 4.27
